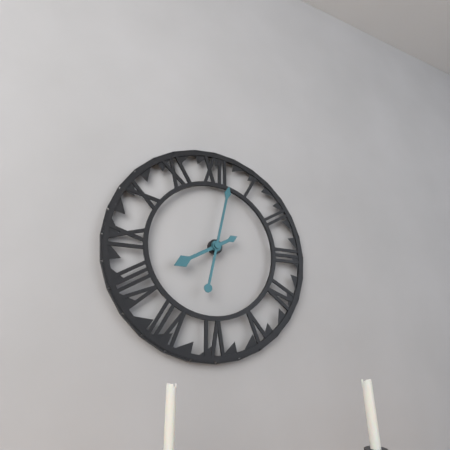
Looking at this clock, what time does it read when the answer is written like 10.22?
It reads 8.02
